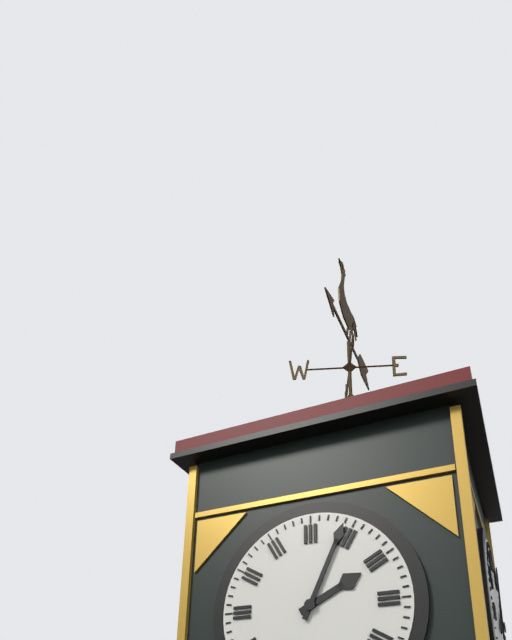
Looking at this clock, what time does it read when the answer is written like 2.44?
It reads 2.04
